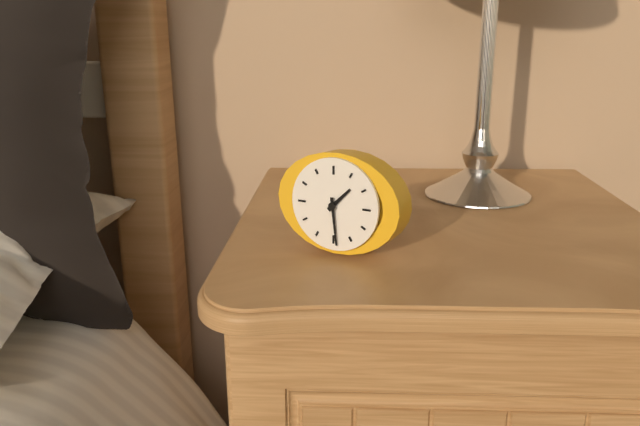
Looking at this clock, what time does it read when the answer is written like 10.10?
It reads 1.29
